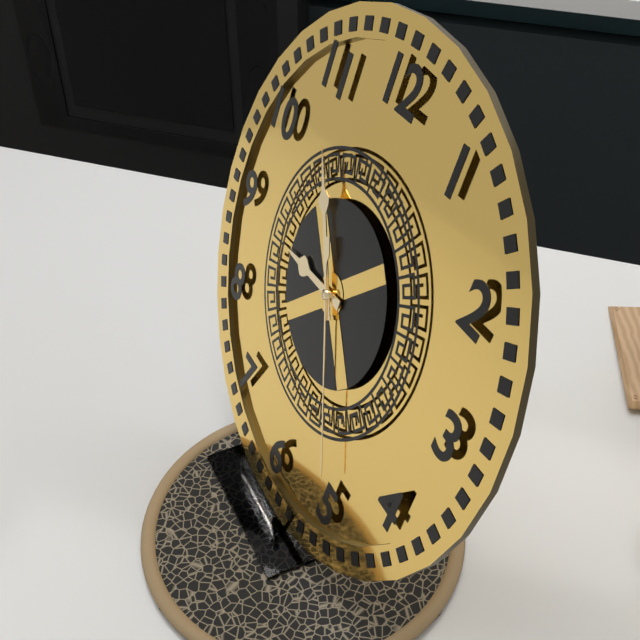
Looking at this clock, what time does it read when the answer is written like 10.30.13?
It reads 8.54.25
